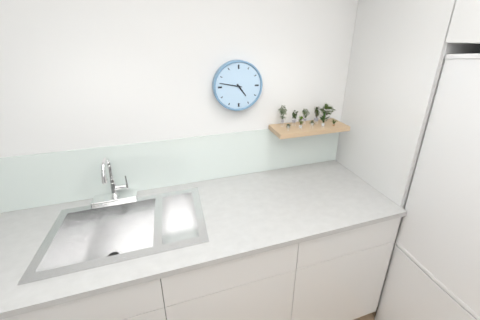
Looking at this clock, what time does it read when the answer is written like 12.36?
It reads 4.47
